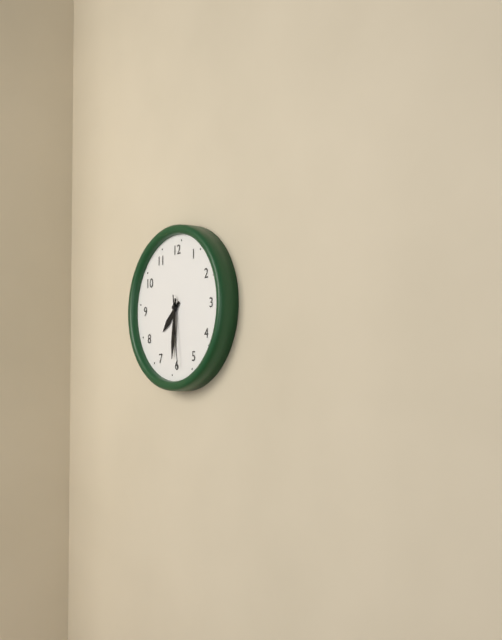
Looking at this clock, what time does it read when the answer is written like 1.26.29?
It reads 7.31.29
